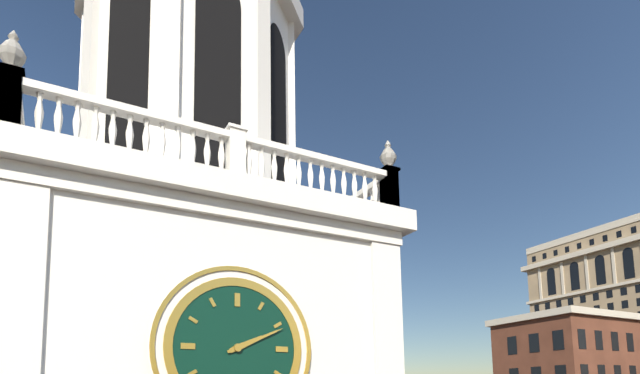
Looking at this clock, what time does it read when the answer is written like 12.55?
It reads 2.11
